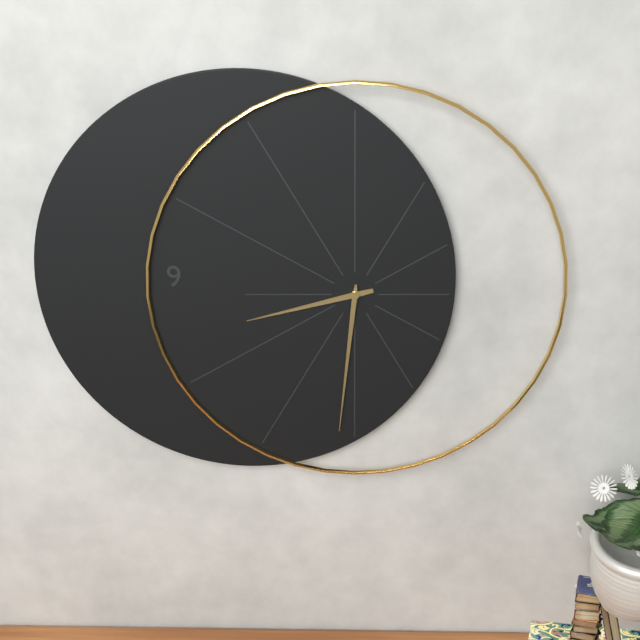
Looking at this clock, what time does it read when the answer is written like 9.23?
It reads 8.31
